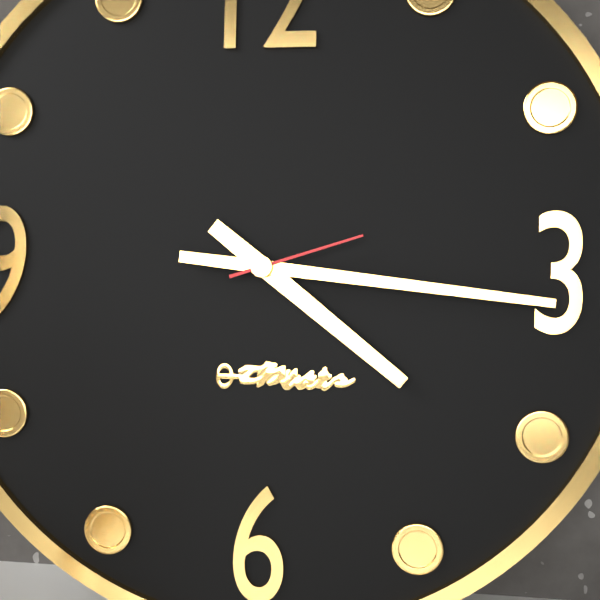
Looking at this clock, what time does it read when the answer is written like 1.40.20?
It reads 4.16.12
